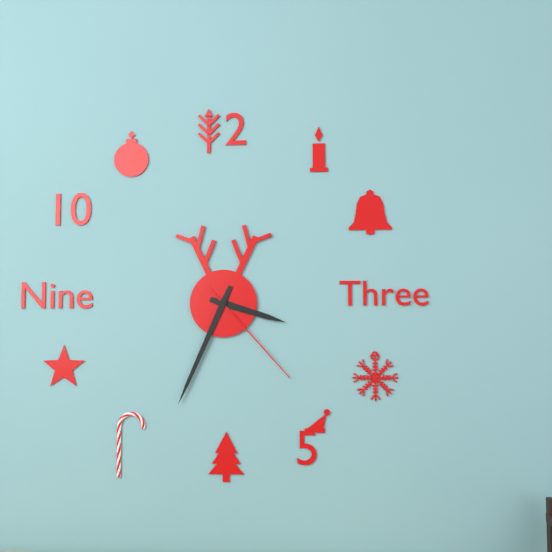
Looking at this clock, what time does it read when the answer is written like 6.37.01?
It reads 3.34.23
